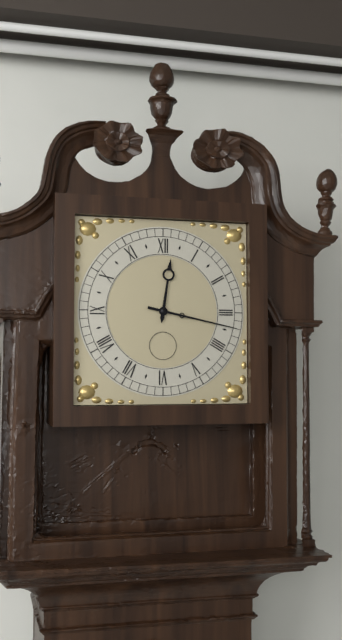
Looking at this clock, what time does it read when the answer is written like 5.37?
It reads 12.17
